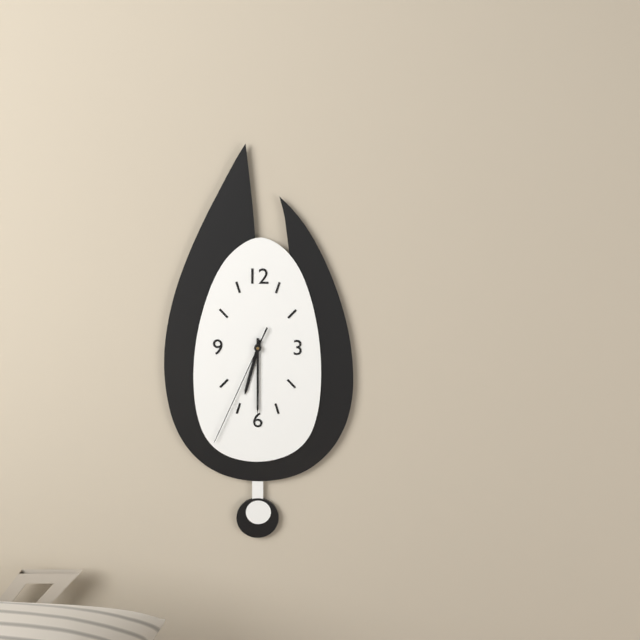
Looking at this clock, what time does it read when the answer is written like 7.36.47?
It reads 6.30.34
